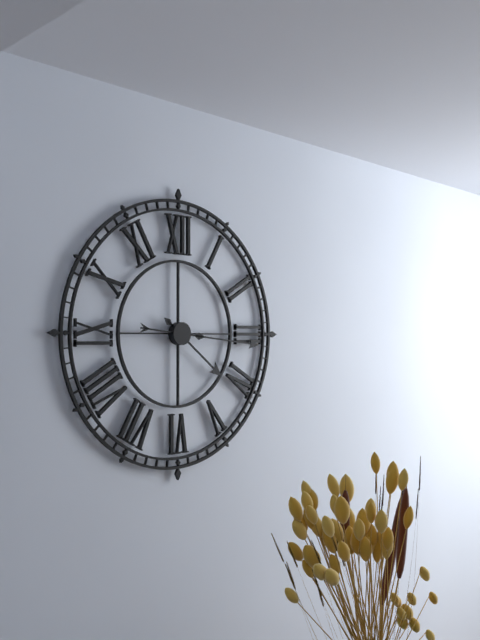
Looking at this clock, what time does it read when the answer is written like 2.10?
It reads 4.16
